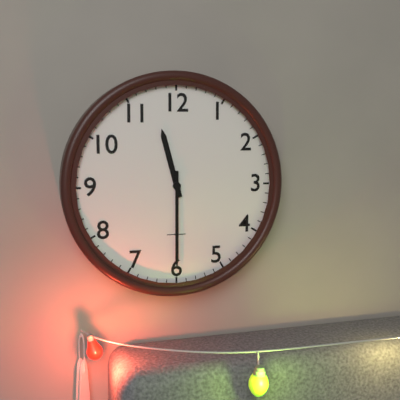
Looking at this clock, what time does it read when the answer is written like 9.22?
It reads 11.30
